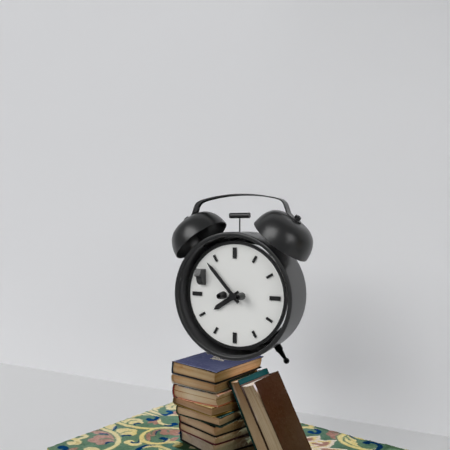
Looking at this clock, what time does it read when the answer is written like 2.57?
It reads 7.53
